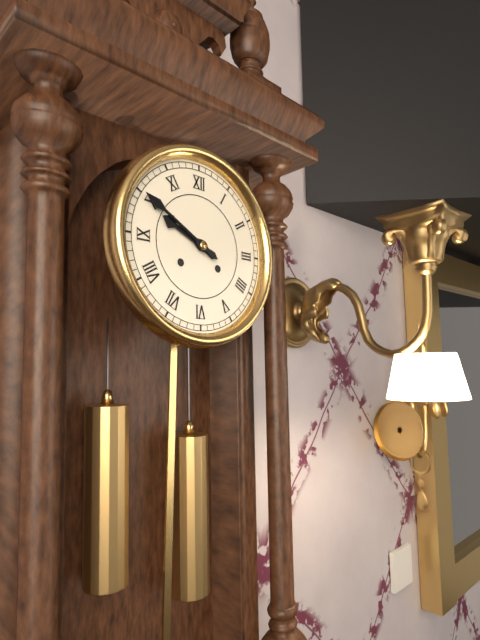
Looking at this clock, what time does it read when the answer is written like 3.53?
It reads 9.50
